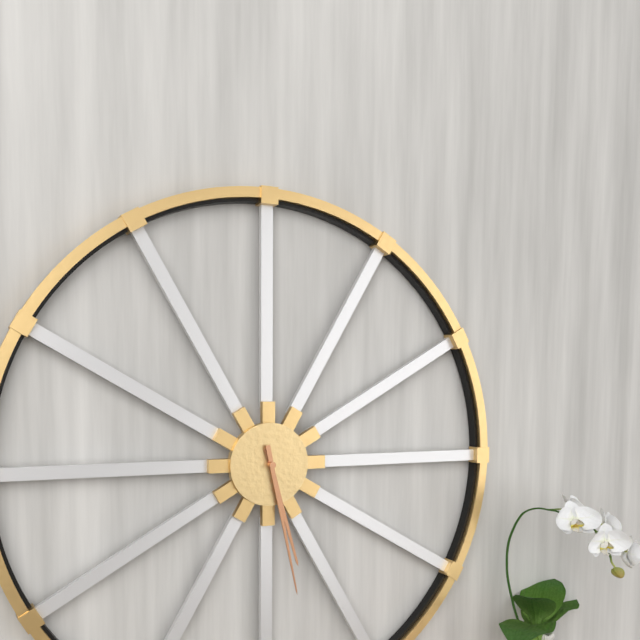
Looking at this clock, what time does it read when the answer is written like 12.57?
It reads 5.28
